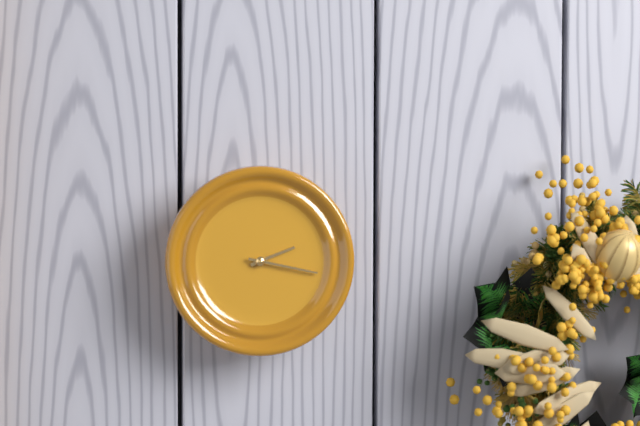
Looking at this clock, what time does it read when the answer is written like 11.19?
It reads 2.17
